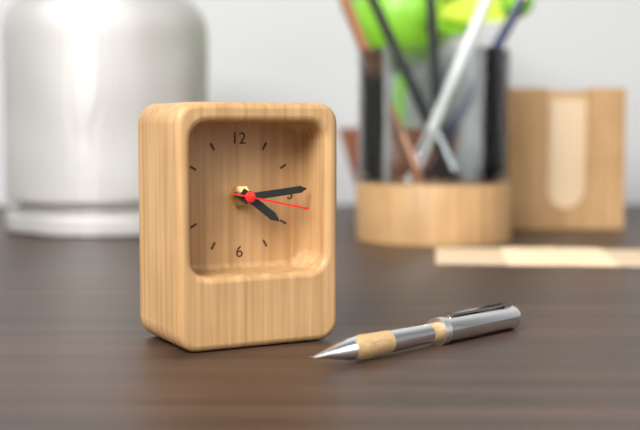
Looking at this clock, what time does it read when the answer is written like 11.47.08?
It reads 4.14.17
